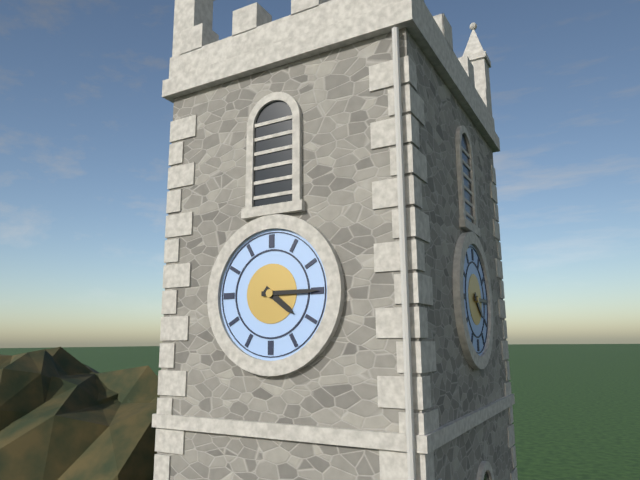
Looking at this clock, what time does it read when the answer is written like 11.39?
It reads 4.15
